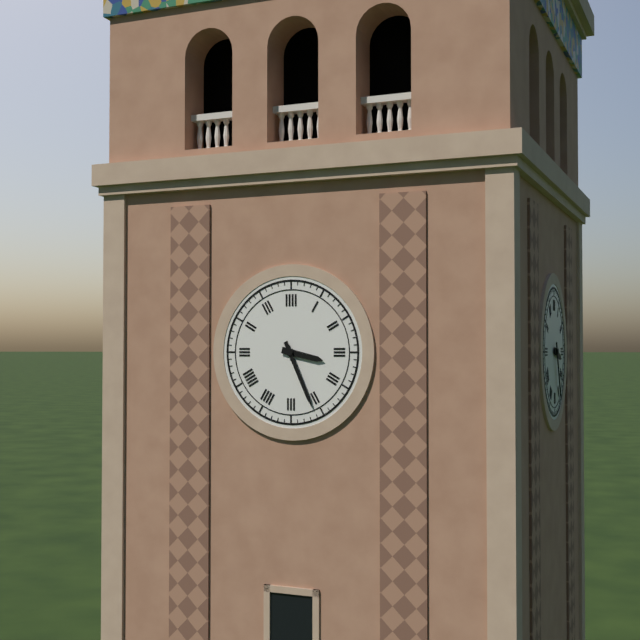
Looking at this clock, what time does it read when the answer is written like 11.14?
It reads 3.26
